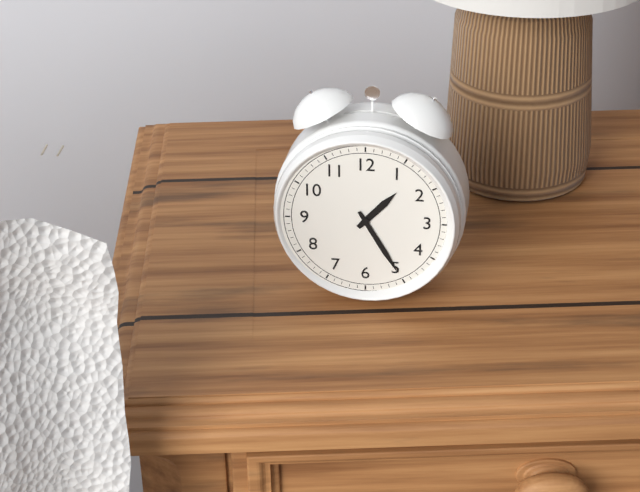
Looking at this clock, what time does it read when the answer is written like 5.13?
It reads 1.25
